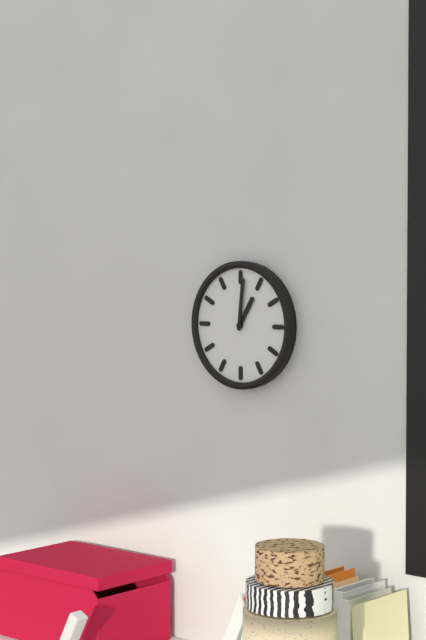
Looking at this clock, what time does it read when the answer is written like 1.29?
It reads 1.01
